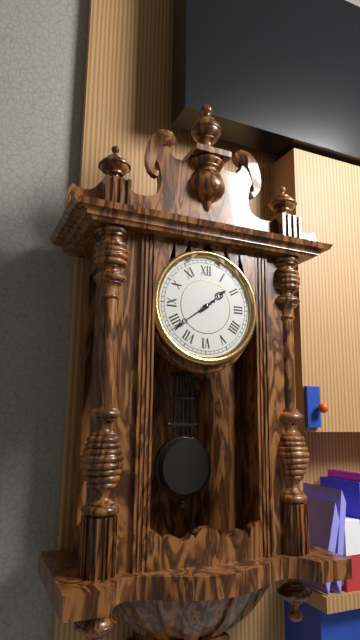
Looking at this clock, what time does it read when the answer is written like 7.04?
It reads 1.39
